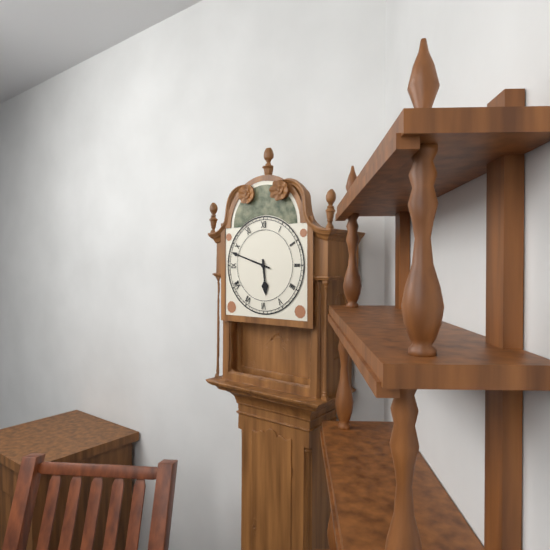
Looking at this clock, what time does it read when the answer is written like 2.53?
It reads 5.48
